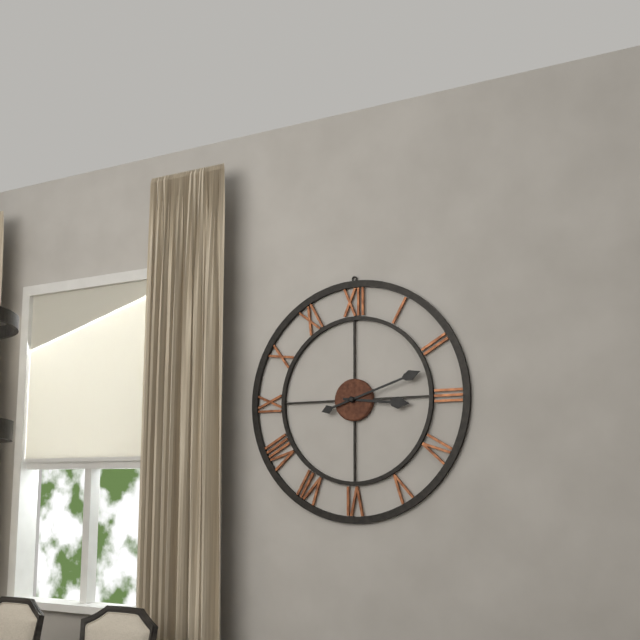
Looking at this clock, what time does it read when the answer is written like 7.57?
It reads 3.12
